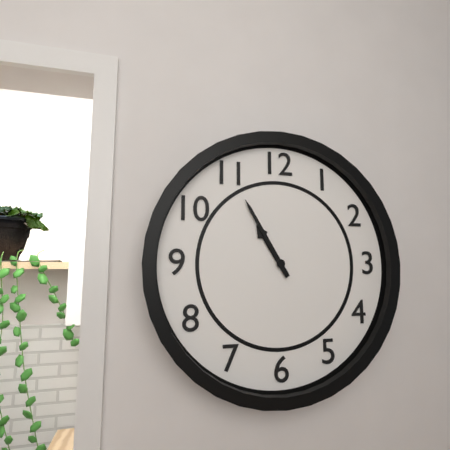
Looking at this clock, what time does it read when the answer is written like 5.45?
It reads 10.55
